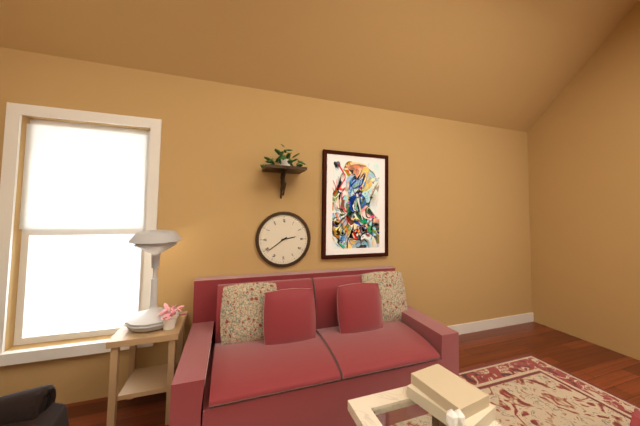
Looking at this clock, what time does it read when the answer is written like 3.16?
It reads 2.39
